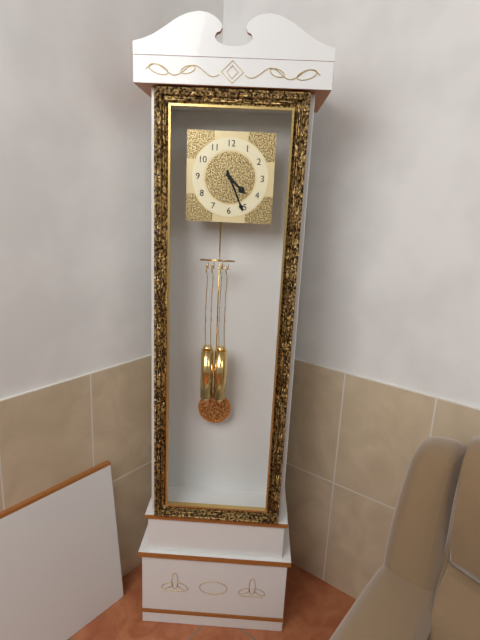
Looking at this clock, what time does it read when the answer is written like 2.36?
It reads 4.26
